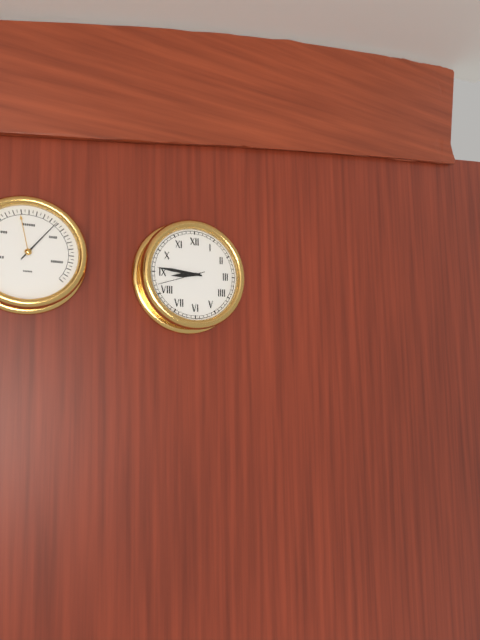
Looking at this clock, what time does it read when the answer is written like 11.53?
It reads 8.46
